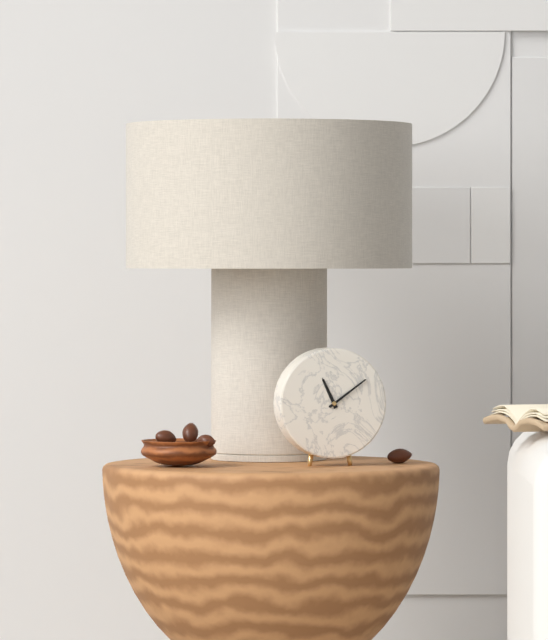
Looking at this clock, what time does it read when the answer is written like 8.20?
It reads 11.09
